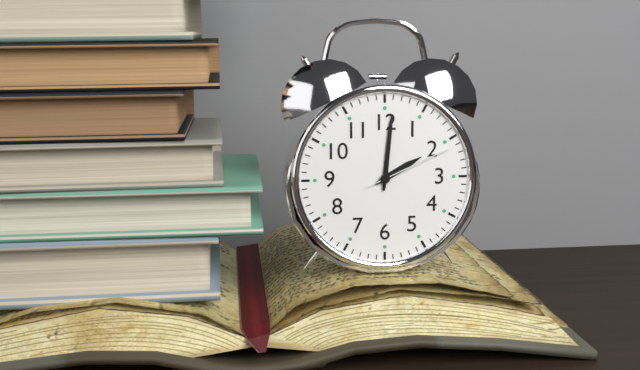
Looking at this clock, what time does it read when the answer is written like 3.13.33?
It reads 2.01.11
